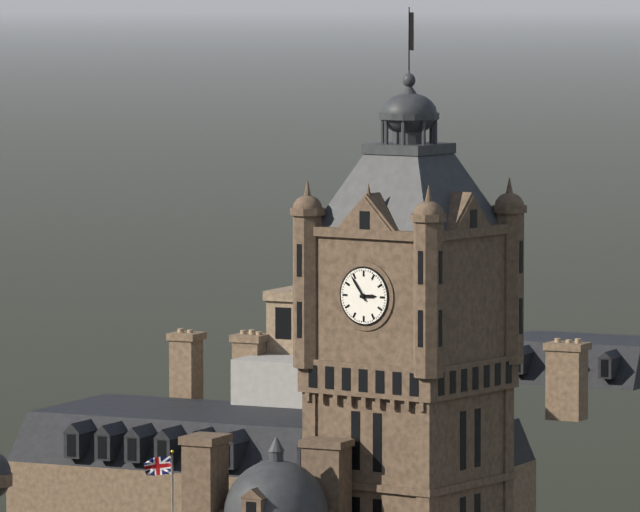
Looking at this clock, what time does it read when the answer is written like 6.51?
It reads 2.54
